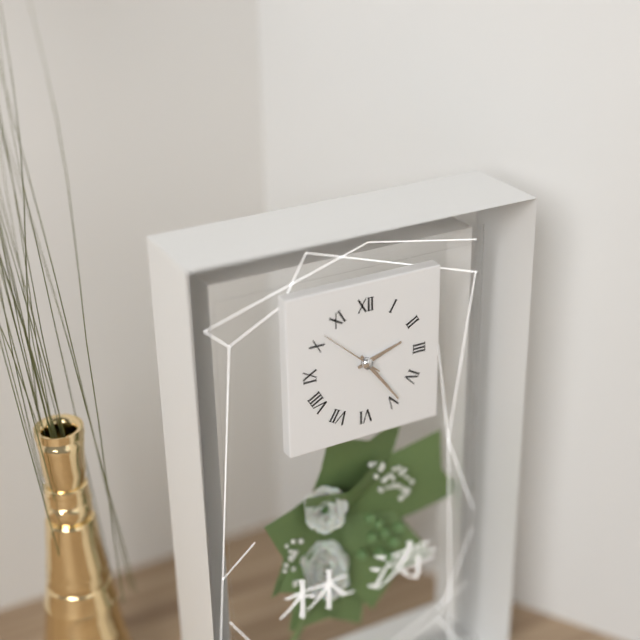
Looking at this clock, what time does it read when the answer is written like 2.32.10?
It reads 2.24.52
